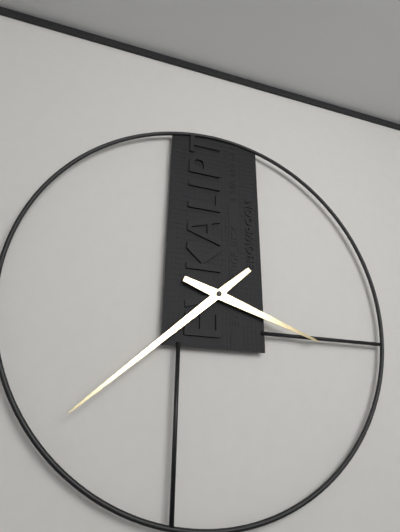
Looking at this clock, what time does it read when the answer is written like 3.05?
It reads 3.38
